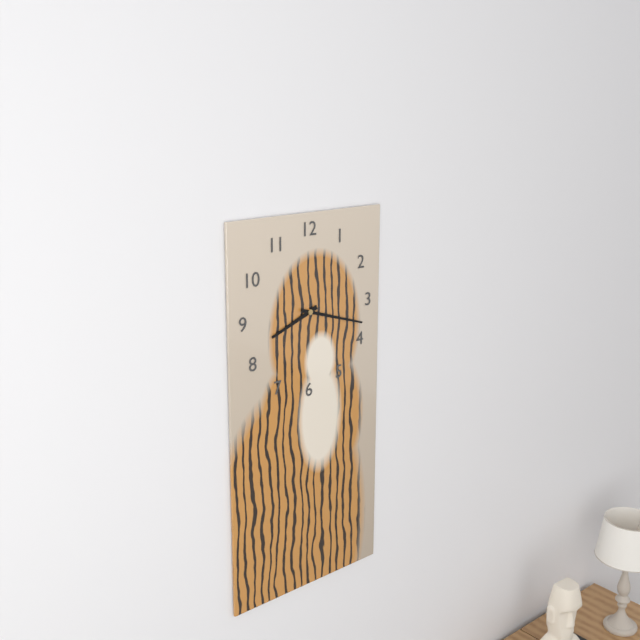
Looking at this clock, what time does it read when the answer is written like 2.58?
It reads 8.18
